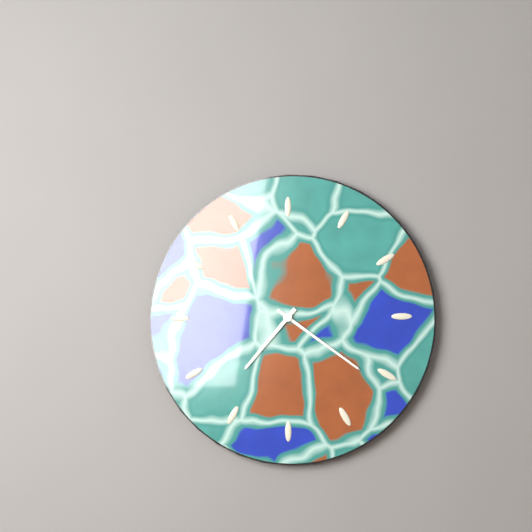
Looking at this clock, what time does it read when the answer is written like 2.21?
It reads 7.21
